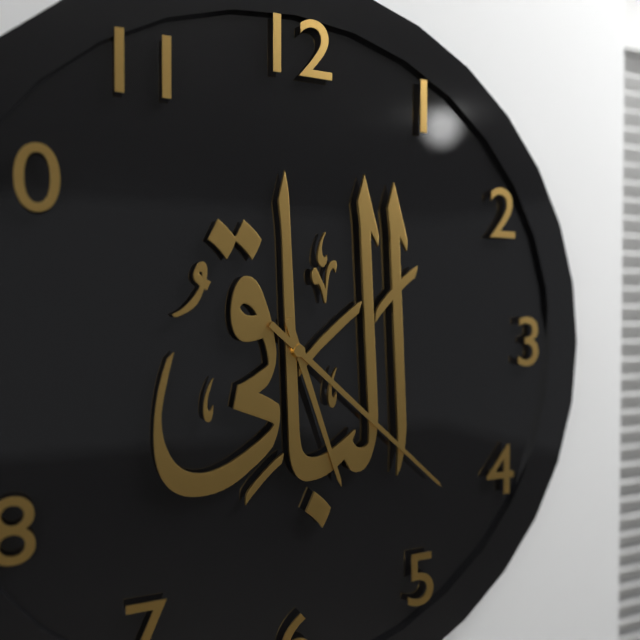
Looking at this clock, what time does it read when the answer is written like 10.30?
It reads 5.22
